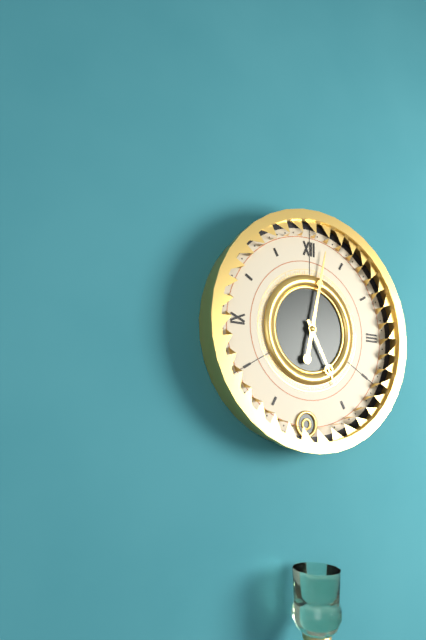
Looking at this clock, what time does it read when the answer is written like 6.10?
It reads 5.02
